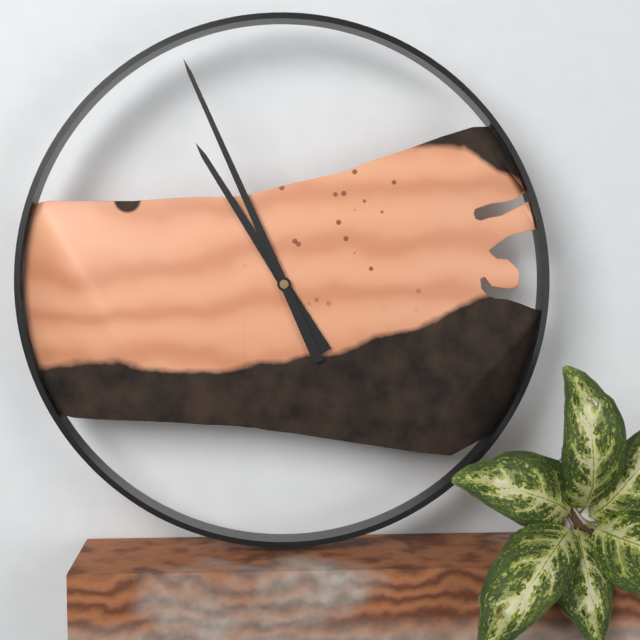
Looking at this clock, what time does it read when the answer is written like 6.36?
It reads 10.56
